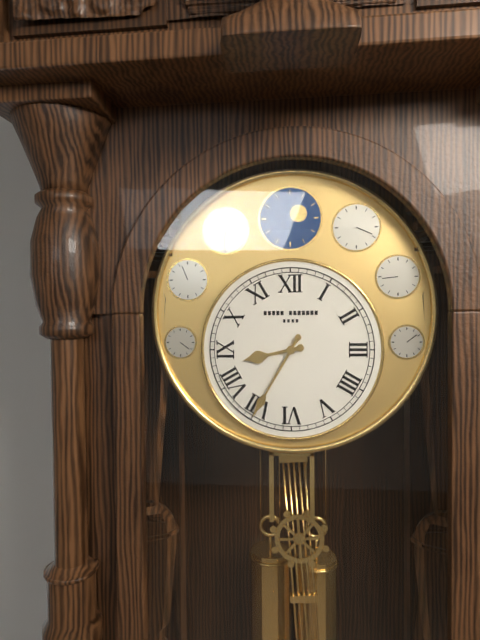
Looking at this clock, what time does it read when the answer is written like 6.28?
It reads 8.35
